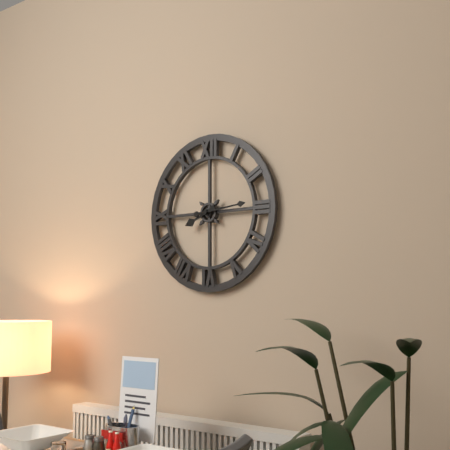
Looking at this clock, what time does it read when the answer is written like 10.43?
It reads 8.14
